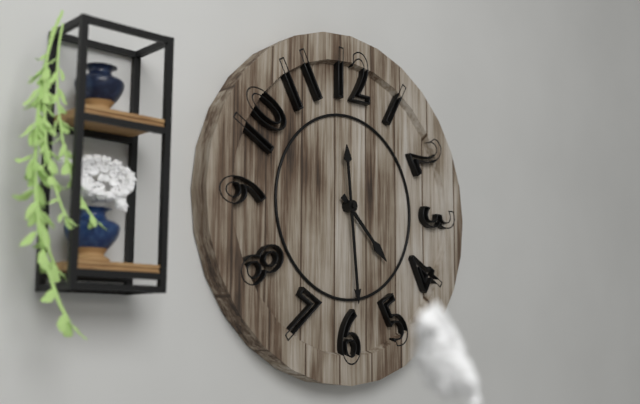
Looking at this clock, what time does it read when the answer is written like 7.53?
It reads 4.29
